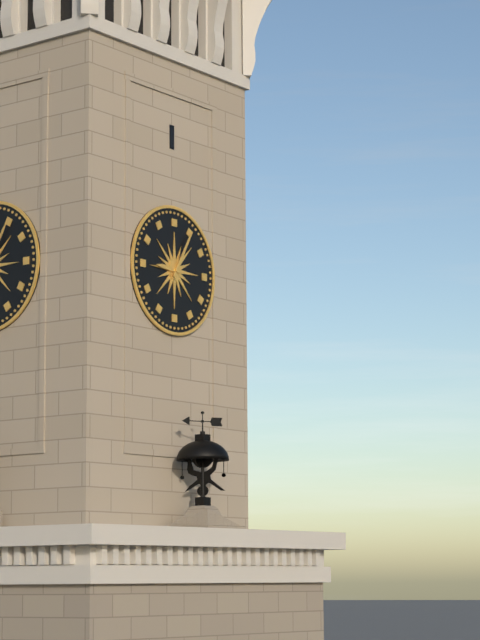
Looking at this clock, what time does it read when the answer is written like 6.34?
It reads 9.05
